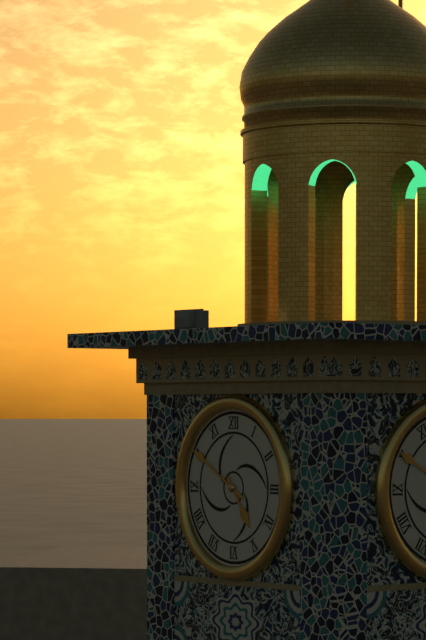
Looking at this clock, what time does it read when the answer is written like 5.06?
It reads 4.50
